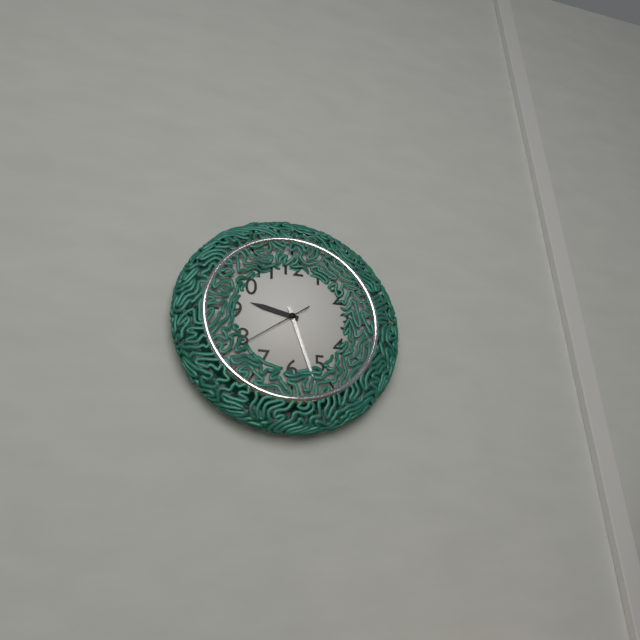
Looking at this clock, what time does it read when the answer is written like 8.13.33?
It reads 9.27.39
